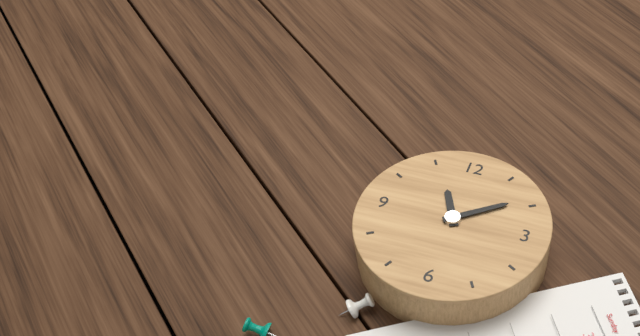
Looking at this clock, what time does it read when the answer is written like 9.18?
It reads 11.09
